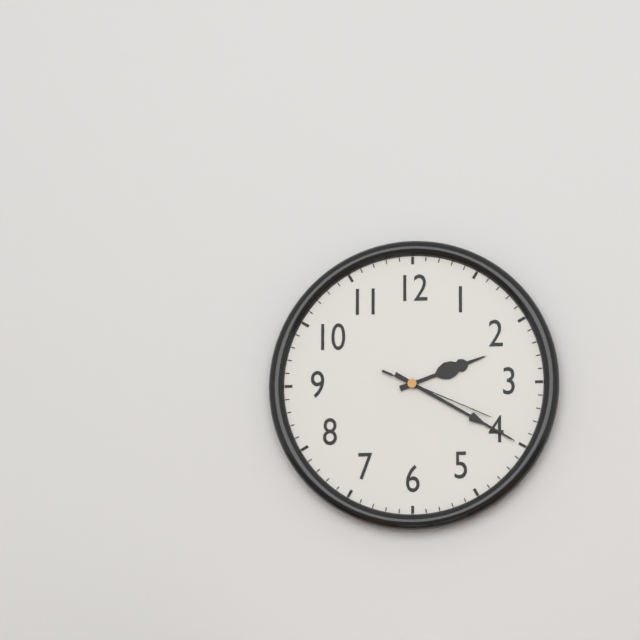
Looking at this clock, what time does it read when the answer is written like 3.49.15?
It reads 2.20.19
